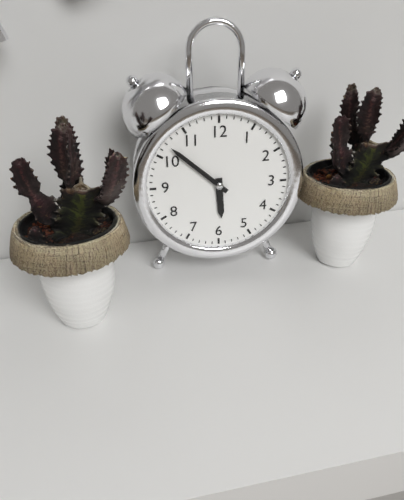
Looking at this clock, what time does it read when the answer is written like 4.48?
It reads 5.52
